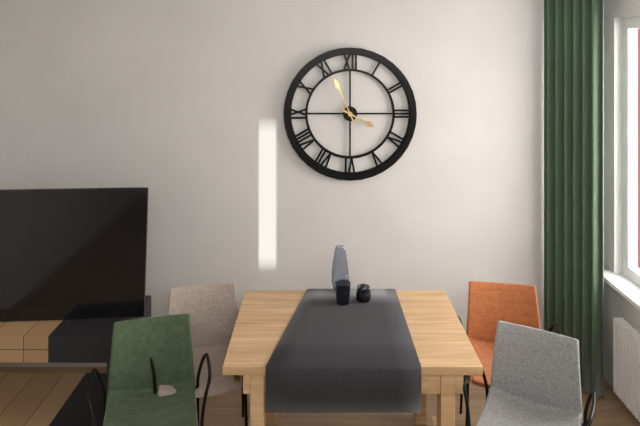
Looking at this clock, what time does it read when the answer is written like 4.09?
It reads 3.56
